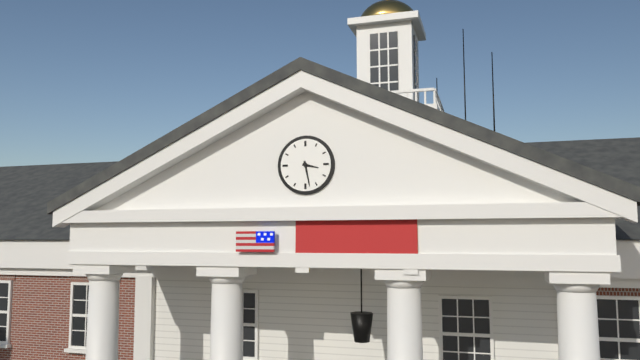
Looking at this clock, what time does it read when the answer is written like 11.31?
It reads 3.28
